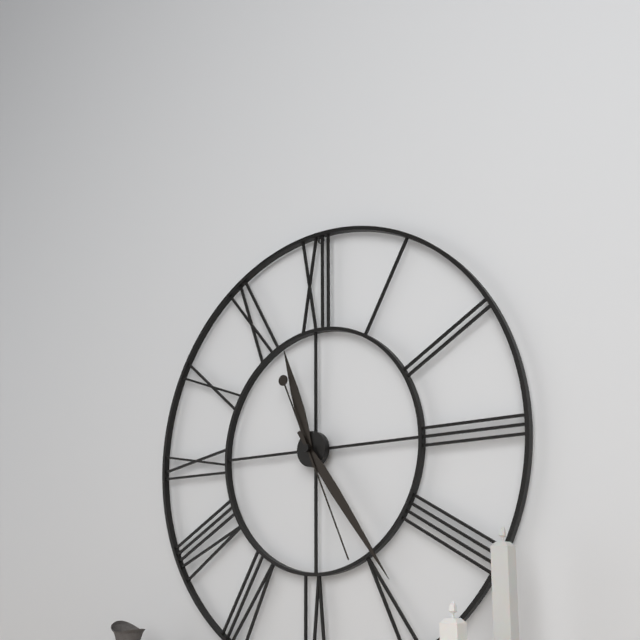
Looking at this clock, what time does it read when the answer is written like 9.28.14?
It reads 11.24.26
